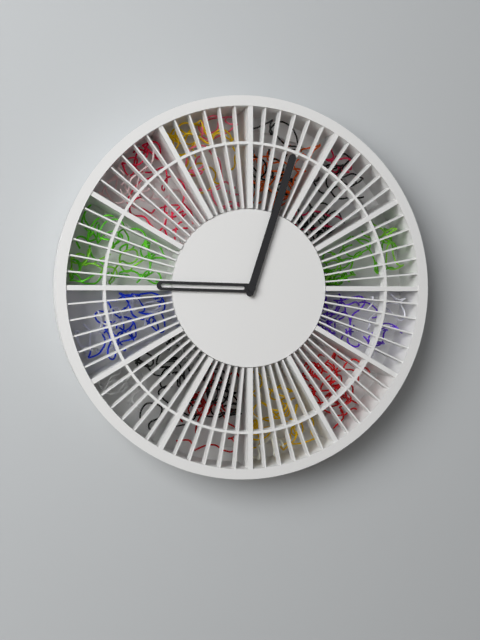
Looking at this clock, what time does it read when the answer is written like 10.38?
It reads 9.03
